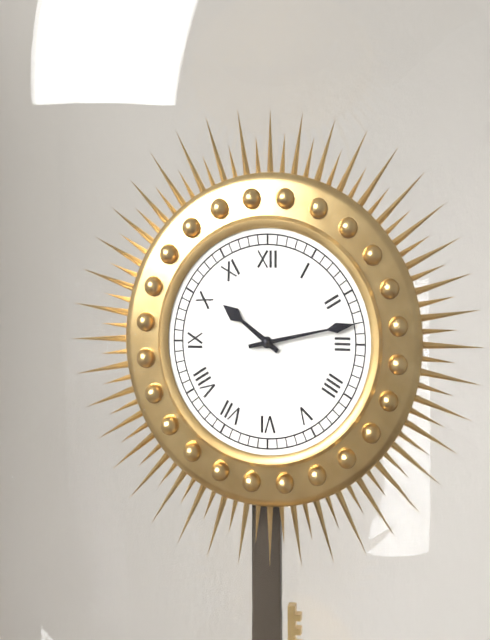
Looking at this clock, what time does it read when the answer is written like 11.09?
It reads 10.13
